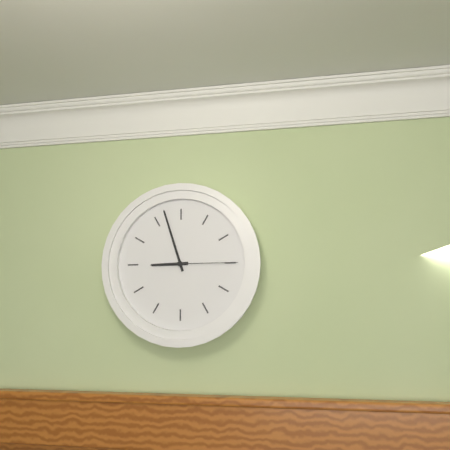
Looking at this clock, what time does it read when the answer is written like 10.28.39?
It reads 8.57.15
